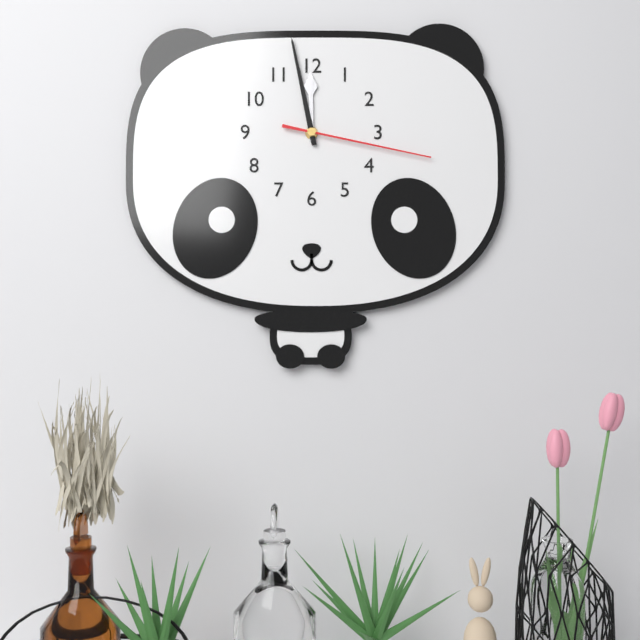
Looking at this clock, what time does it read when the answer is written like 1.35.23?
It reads 11.58.17
